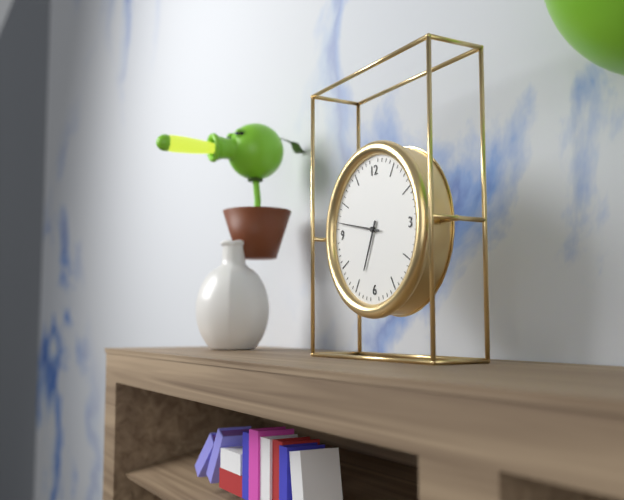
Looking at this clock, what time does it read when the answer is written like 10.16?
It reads 6.47
